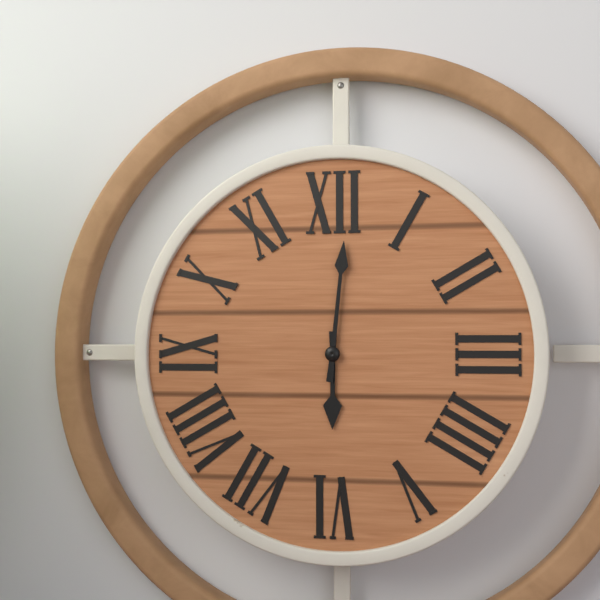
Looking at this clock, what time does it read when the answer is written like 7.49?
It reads 6.01
